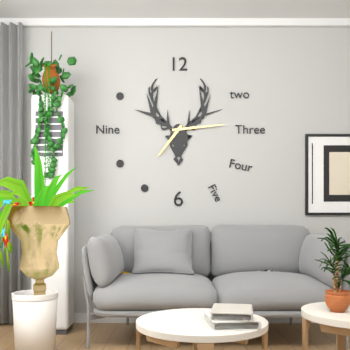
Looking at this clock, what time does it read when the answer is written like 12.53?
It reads 7.14
